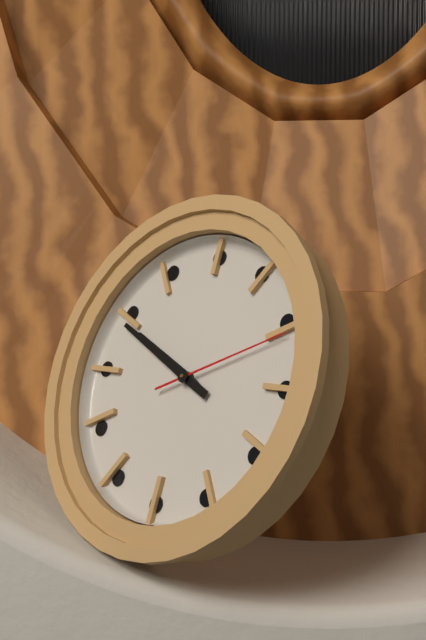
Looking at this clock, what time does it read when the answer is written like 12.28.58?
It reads 9.49.11
